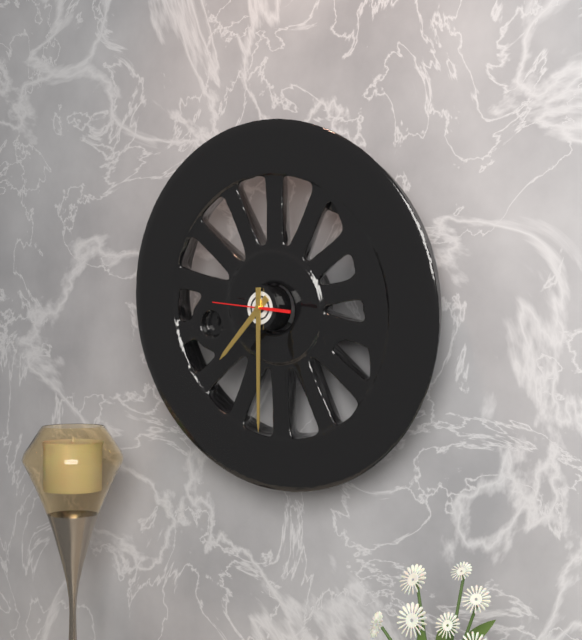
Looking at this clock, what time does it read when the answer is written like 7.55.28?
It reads 7.30.46
